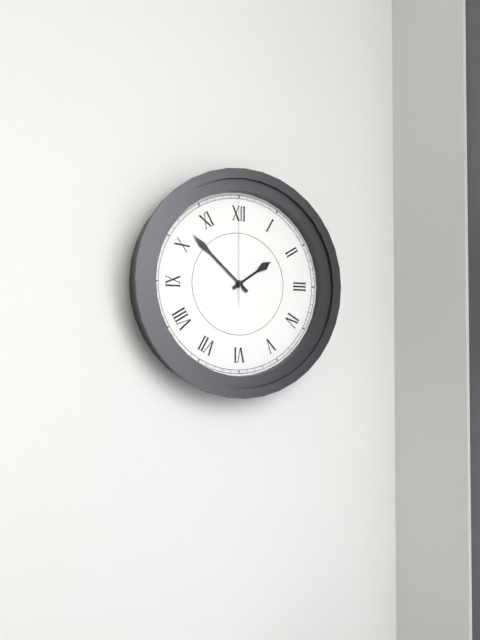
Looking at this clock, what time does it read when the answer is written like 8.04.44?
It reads 1.52.00
